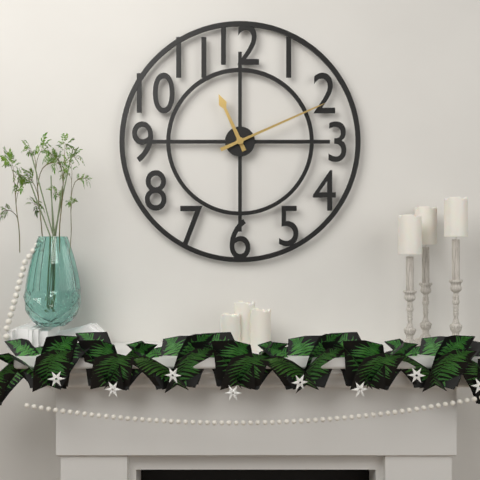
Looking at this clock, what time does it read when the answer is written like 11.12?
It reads 11.11
